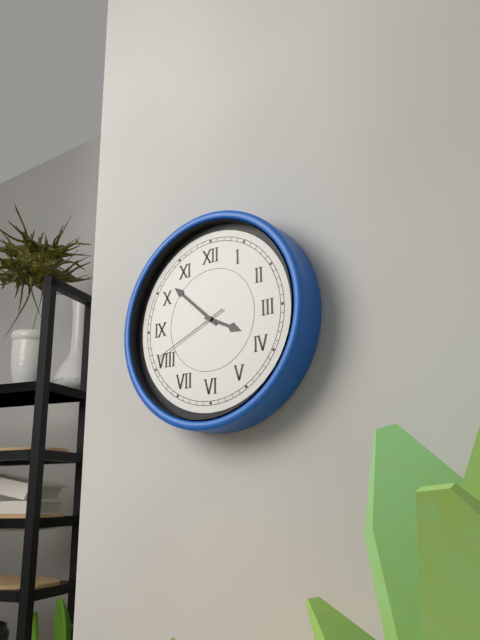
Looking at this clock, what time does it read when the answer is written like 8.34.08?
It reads 3.52.41
